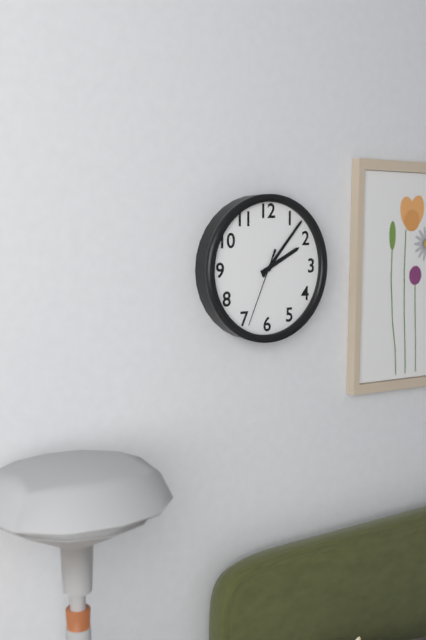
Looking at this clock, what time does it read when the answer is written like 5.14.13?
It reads 2.07.34
